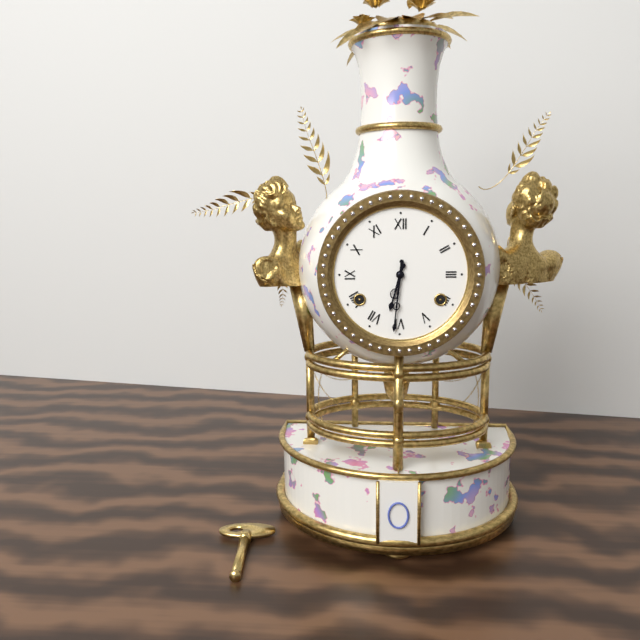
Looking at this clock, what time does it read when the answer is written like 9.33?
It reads 6.31
